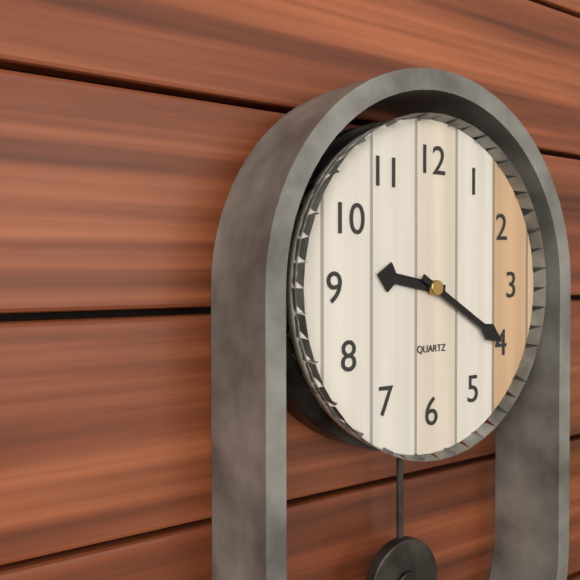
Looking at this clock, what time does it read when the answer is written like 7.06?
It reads 9.20
